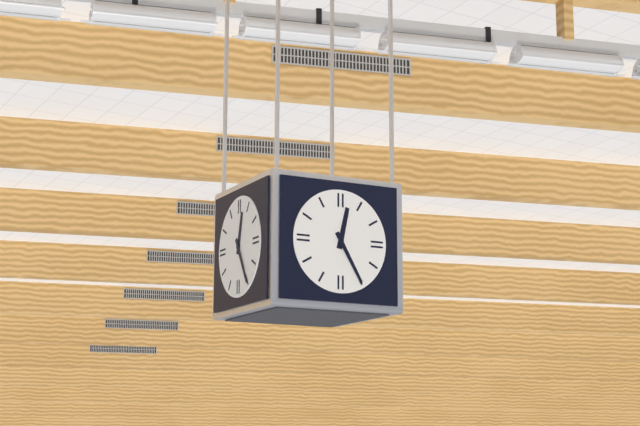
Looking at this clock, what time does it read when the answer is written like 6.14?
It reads 12.25
